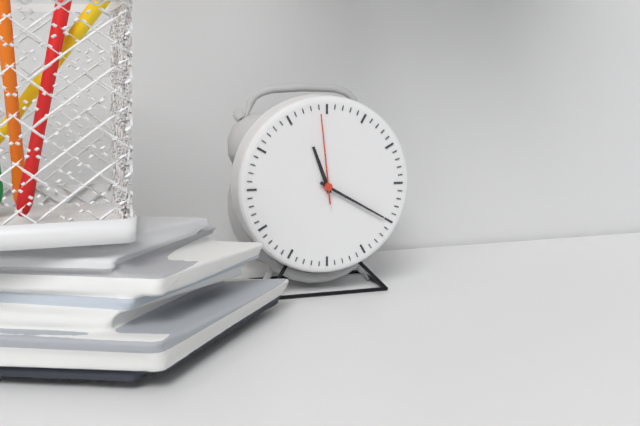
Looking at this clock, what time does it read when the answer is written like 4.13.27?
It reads 11.20.59
